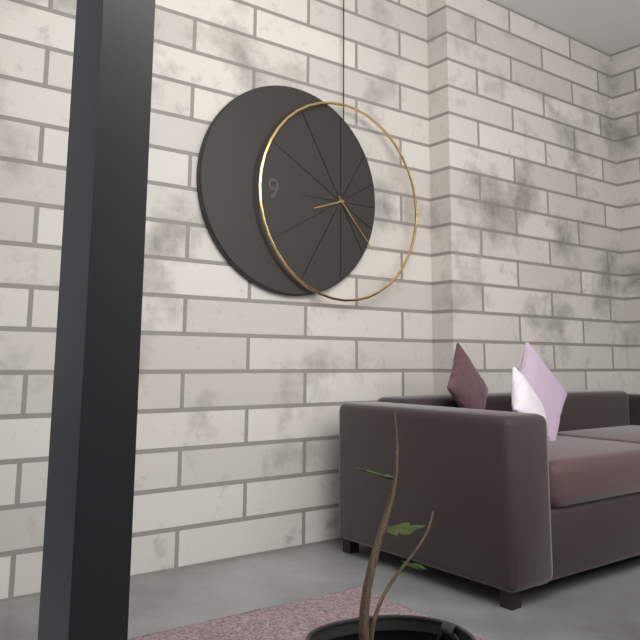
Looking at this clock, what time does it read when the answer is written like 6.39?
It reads 8.23
